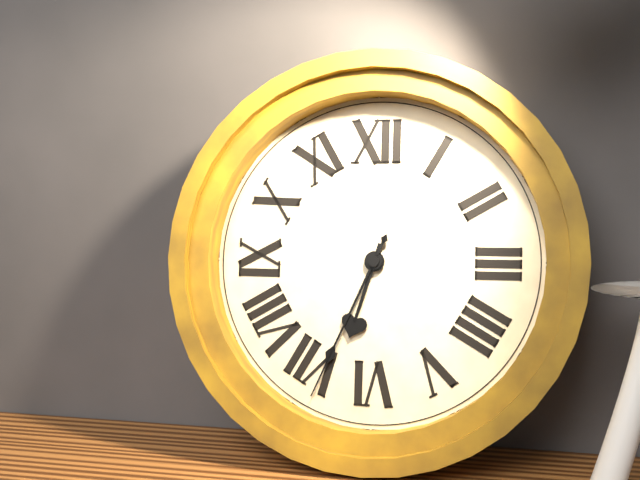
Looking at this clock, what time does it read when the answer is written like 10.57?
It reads 6.34
